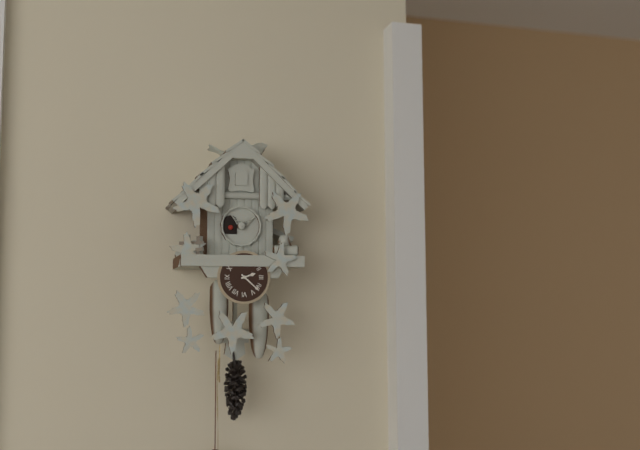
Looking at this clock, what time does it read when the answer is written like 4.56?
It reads 2.22
